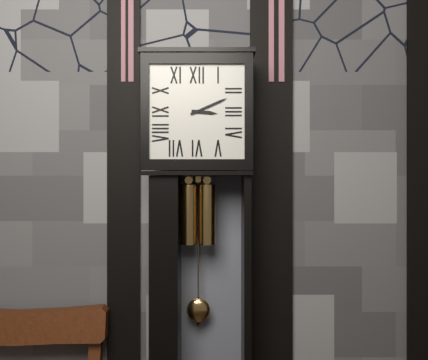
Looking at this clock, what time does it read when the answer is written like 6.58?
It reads 3.11
